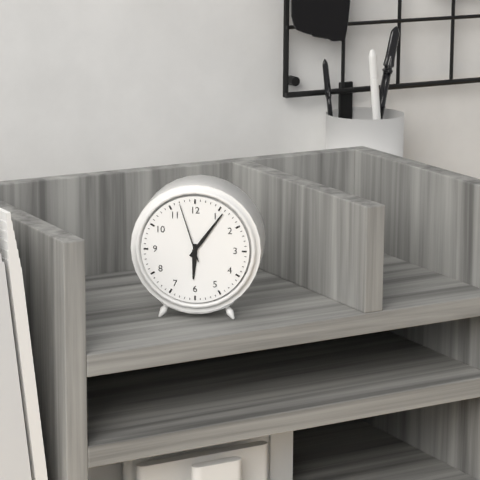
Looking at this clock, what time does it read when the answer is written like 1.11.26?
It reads 6.06.57
